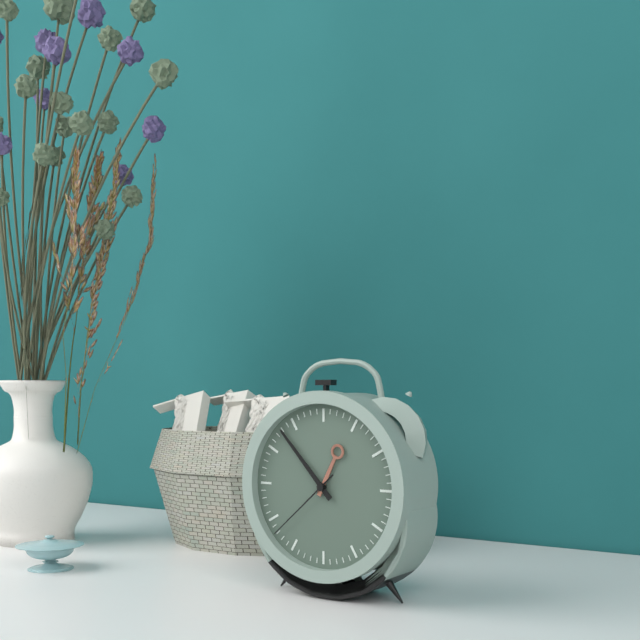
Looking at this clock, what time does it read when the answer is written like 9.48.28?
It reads 12.53.38
